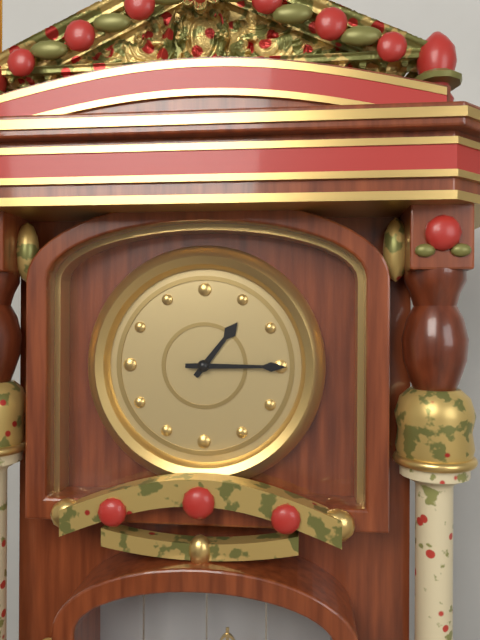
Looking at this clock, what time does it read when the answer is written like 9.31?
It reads 1.15
